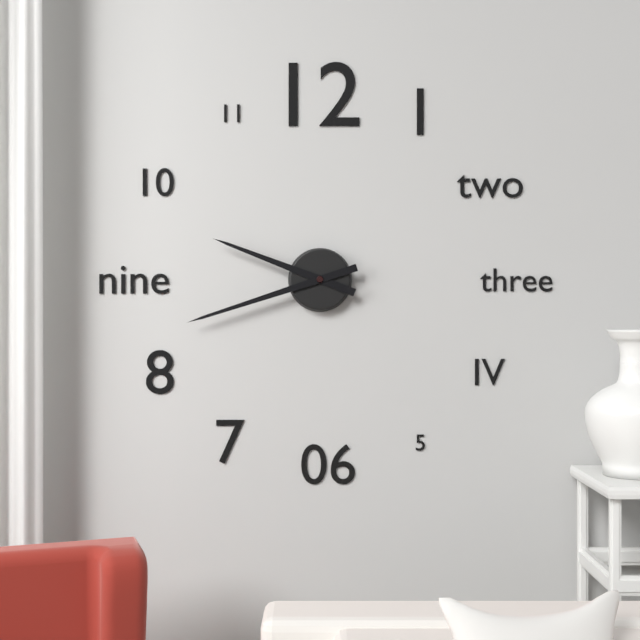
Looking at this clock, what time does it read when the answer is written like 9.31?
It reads 9.42
